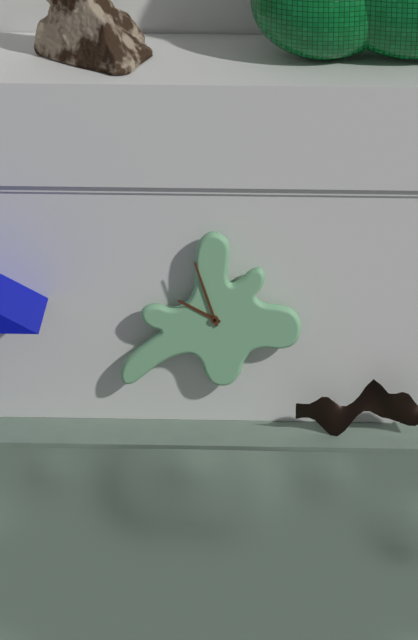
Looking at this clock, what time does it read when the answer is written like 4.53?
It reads 9.57
